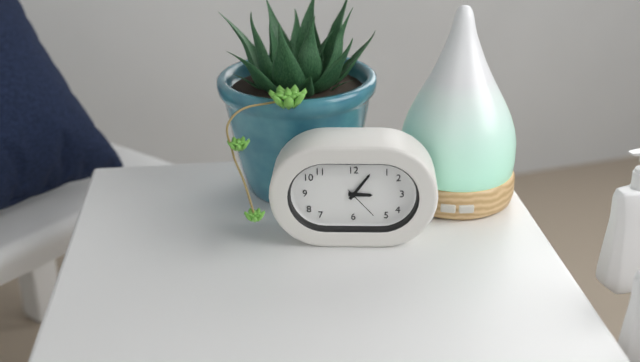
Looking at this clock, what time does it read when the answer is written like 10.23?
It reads 3.06
